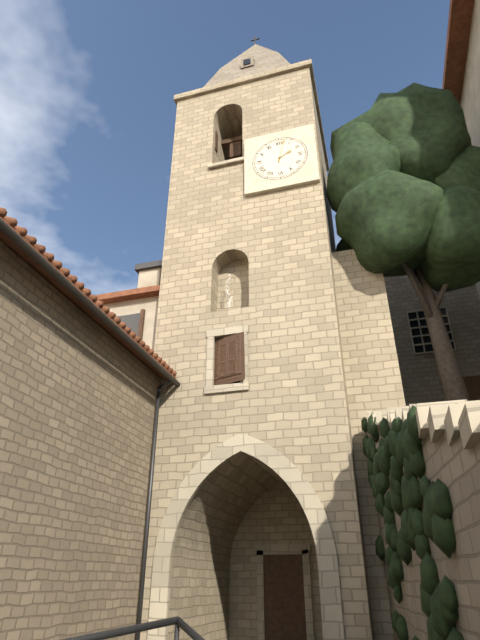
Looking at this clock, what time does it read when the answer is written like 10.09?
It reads 2.02
